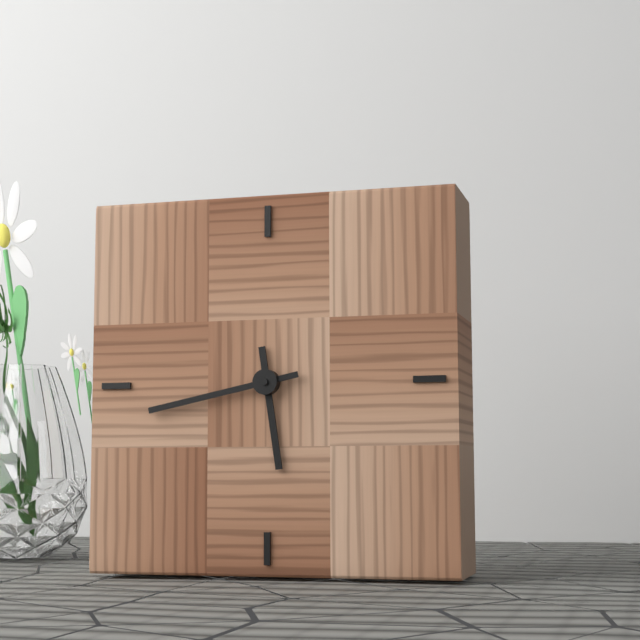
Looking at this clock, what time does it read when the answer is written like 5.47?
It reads 5.43
